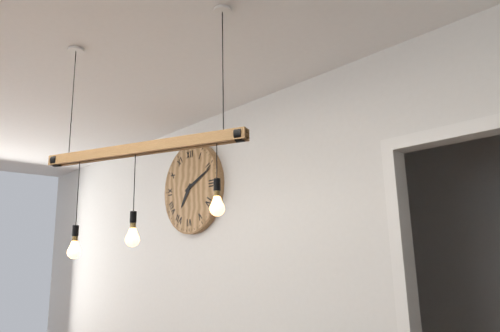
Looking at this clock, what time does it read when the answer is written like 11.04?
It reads 7.11
